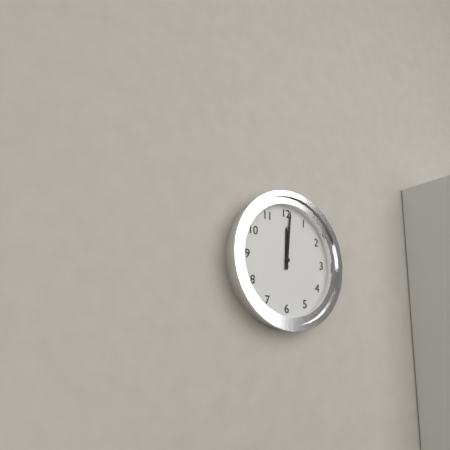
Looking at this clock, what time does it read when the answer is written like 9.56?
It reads 12.01
